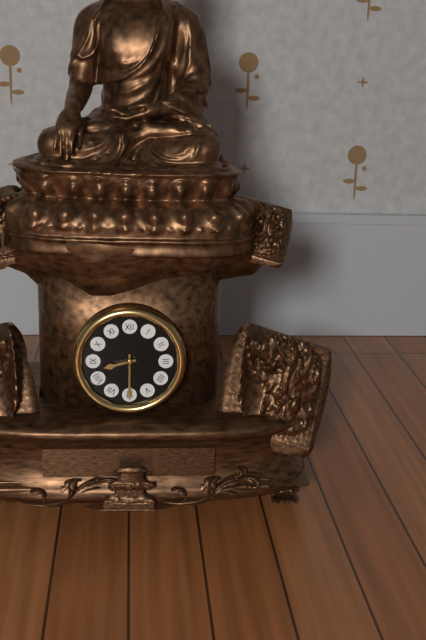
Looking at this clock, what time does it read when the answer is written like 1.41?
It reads 8.30
